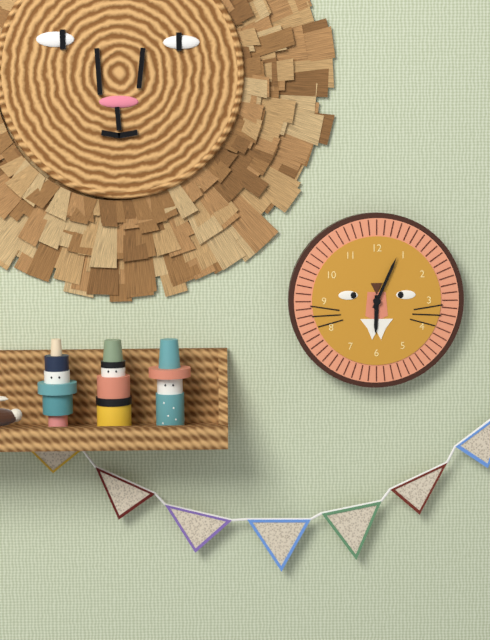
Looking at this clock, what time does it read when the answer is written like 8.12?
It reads 6.04
